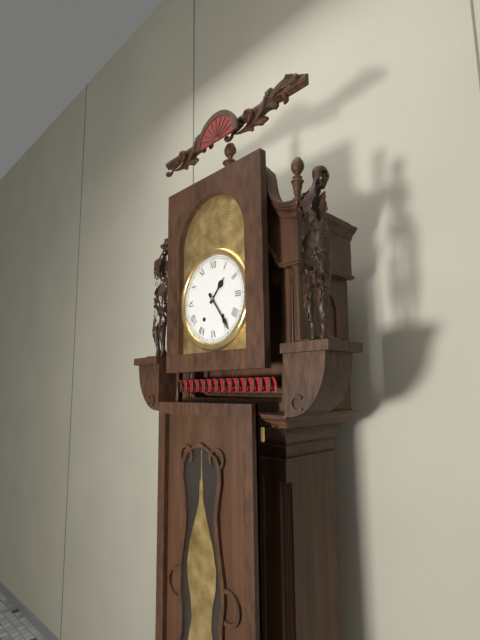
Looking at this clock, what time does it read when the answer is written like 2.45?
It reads 1.24
